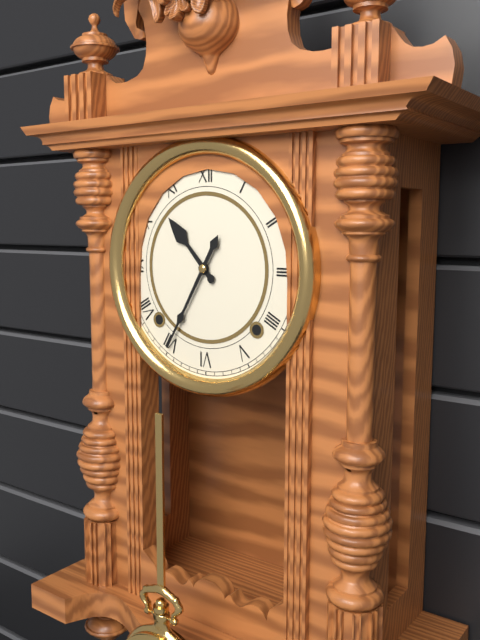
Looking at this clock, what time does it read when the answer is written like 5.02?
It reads 10.35
